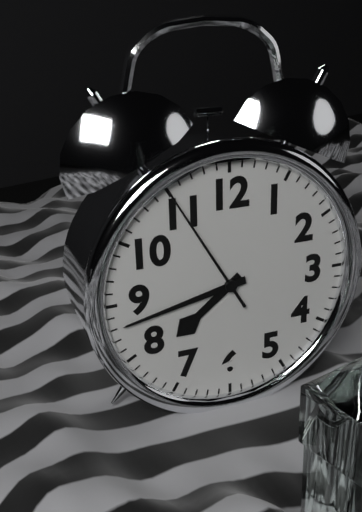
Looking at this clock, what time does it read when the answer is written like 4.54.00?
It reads 7.43.55
